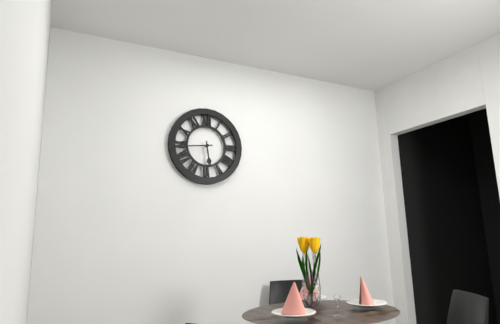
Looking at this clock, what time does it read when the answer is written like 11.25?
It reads 5.44
